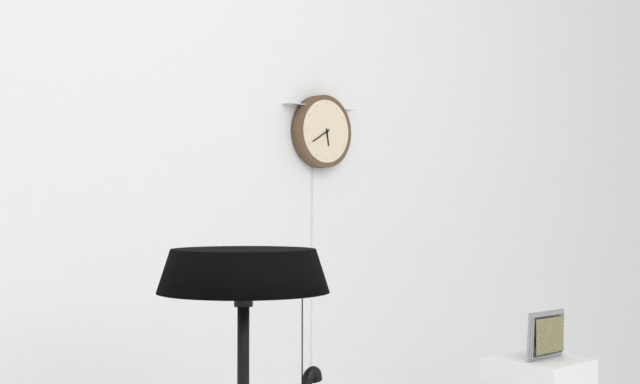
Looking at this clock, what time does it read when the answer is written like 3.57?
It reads 5.40
